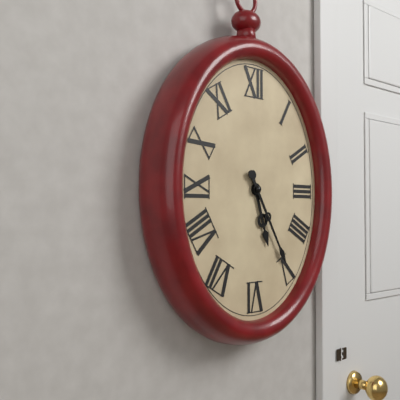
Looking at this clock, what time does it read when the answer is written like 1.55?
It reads 5.25
